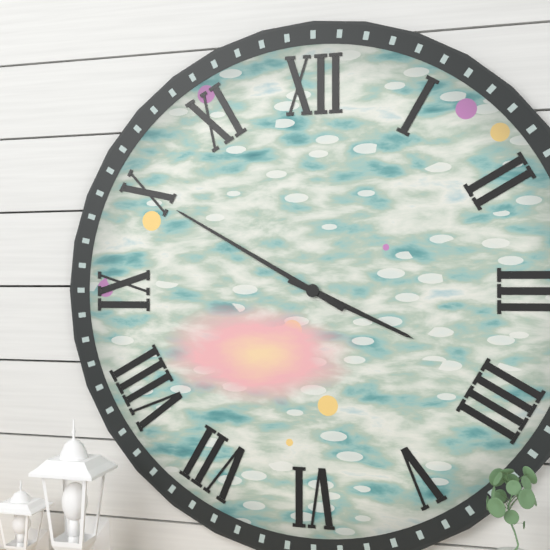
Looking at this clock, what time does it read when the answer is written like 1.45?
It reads 3.50
